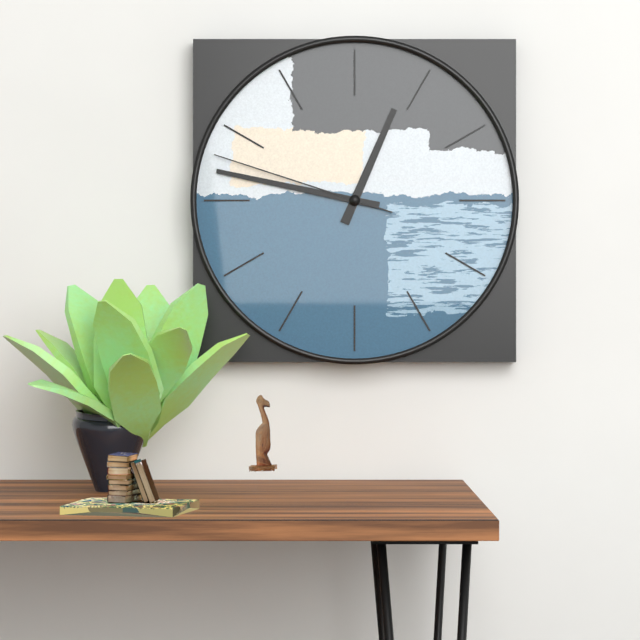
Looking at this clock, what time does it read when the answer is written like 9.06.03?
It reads 12.47.48
